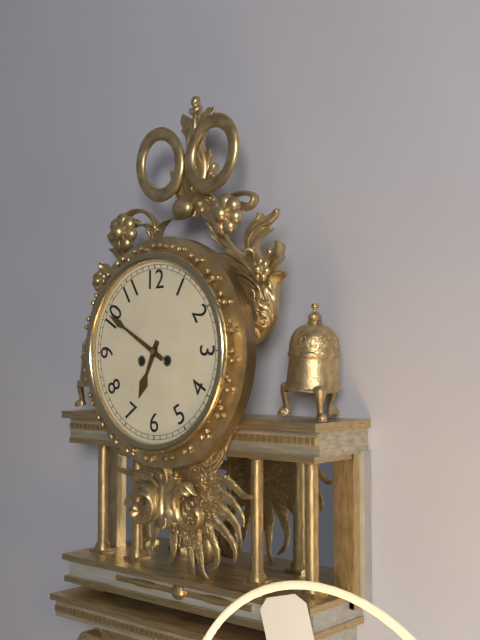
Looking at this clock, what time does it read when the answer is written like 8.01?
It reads 6.50
